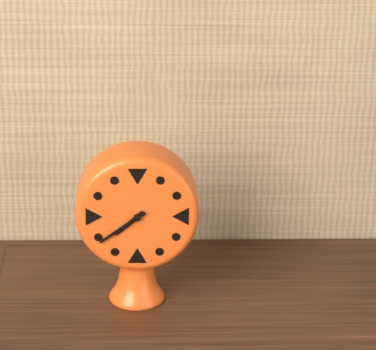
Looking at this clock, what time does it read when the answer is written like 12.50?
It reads 7.39
